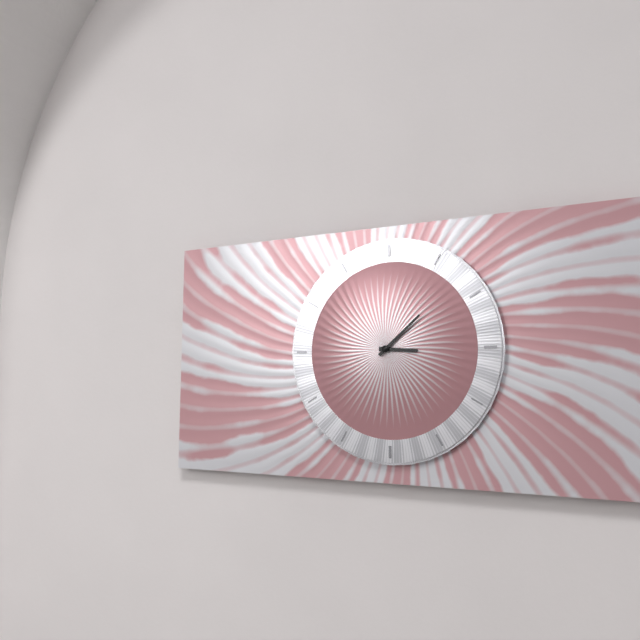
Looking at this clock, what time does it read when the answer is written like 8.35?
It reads 3.08
